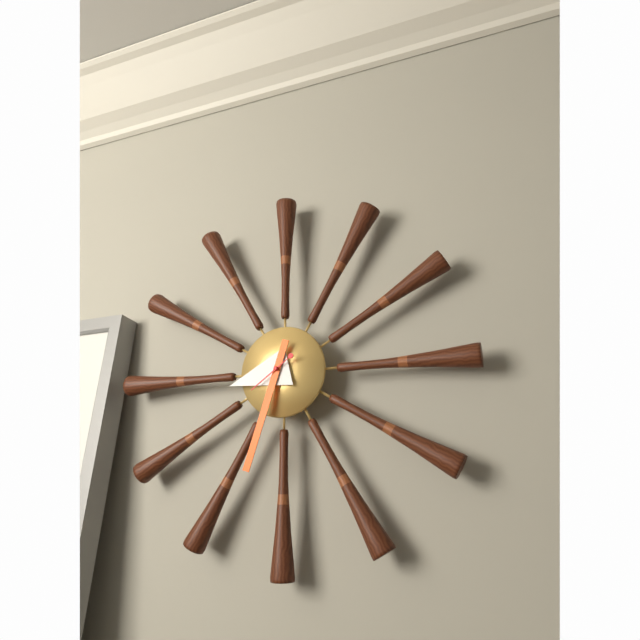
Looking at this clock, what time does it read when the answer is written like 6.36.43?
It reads 8.33.39
